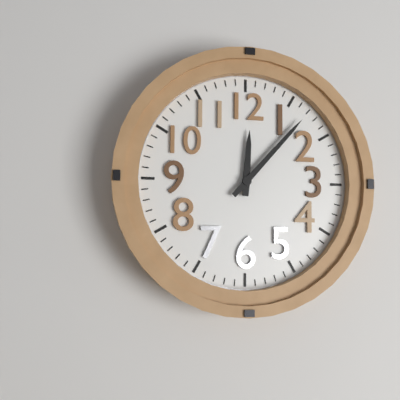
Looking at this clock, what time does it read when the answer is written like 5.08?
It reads 12.07
